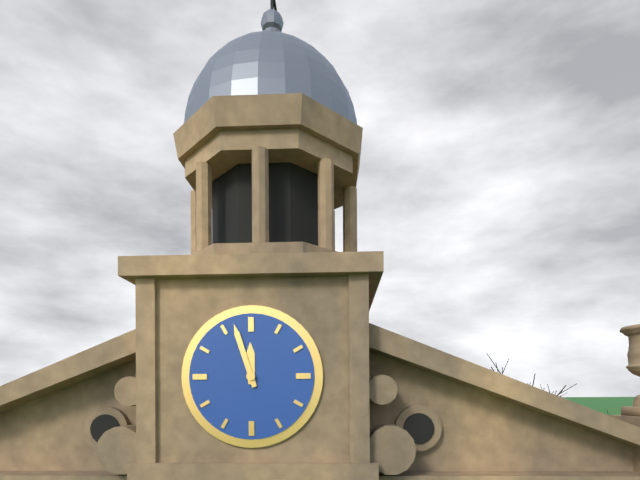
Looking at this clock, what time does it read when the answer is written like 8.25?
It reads 11.57
